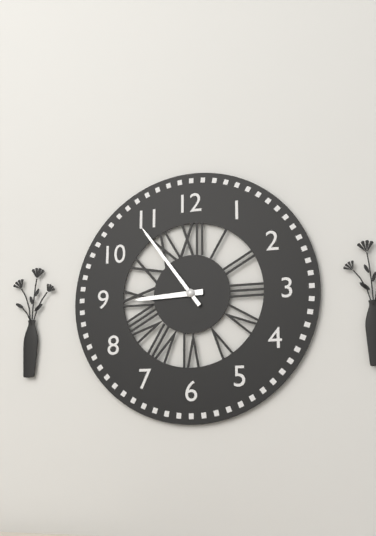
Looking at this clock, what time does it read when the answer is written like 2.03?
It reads 8.54
